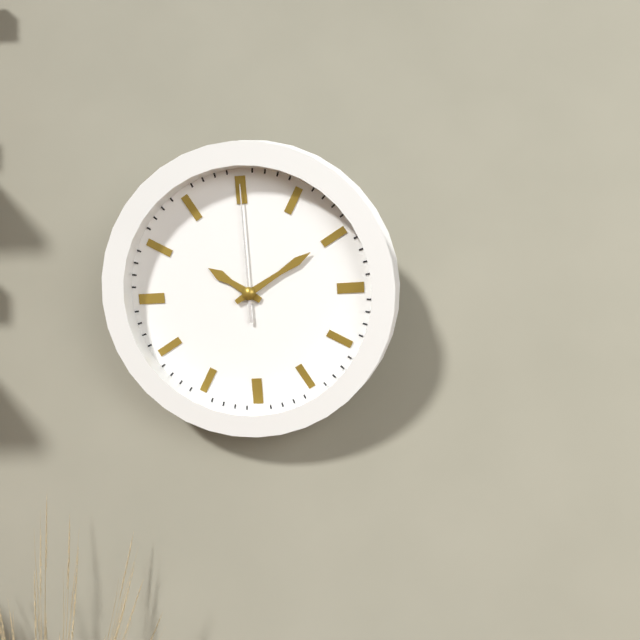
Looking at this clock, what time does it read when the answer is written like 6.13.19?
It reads 10.10.00
